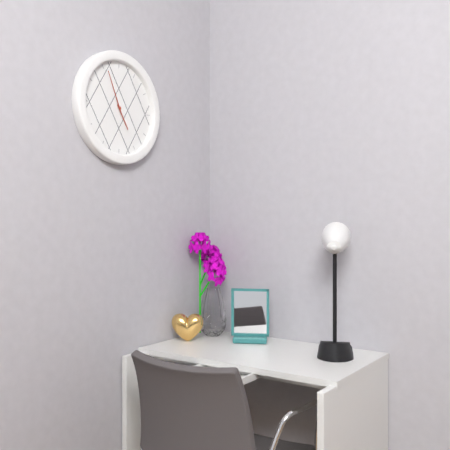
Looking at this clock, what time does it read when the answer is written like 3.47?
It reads 4.56
